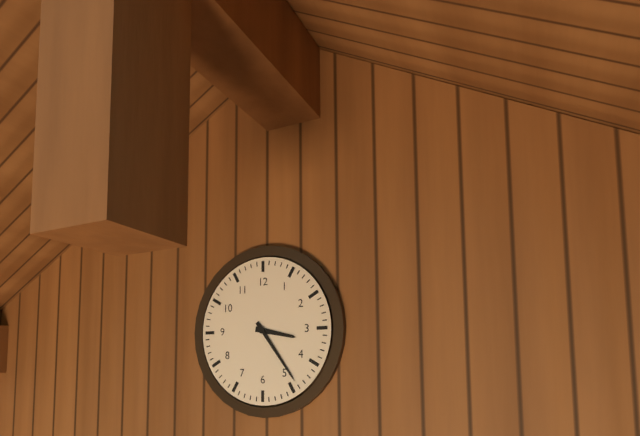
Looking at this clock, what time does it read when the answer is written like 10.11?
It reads 3.24
